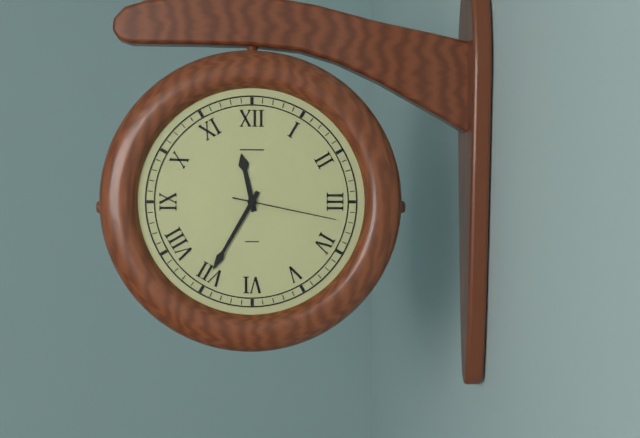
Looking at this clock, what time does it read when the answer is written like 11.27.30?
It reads 11.35.17
